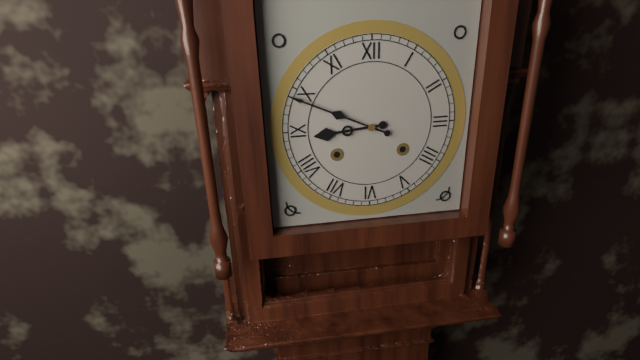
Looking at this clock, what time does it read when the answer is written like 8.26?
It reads 8.49
